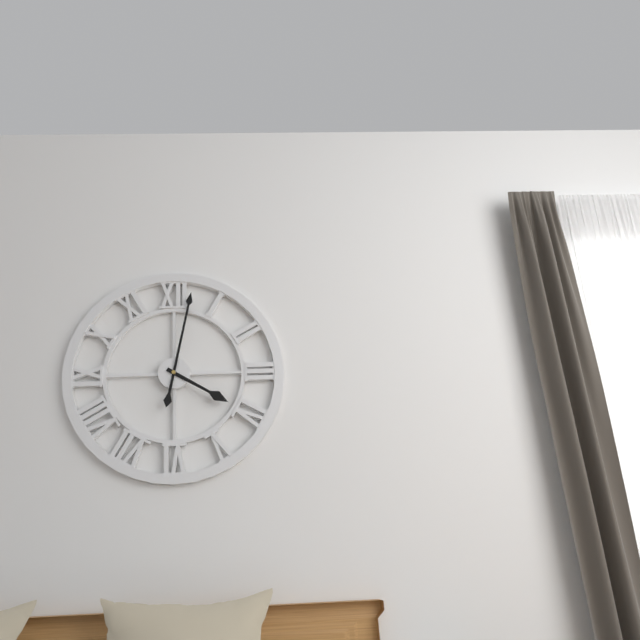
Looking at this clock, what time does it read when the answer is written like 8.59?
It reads 4.02
